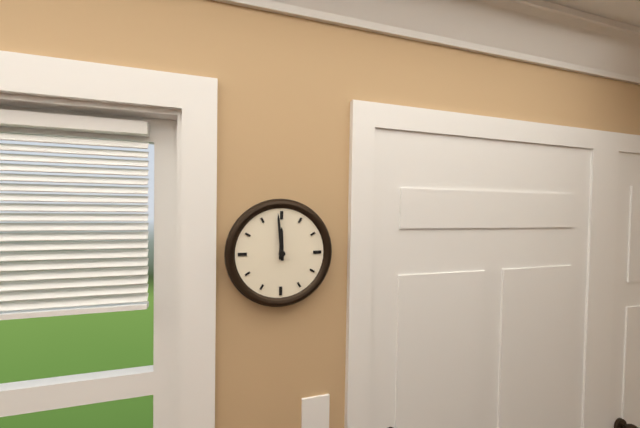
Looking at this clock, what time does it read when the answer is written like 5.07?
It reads 11.59
